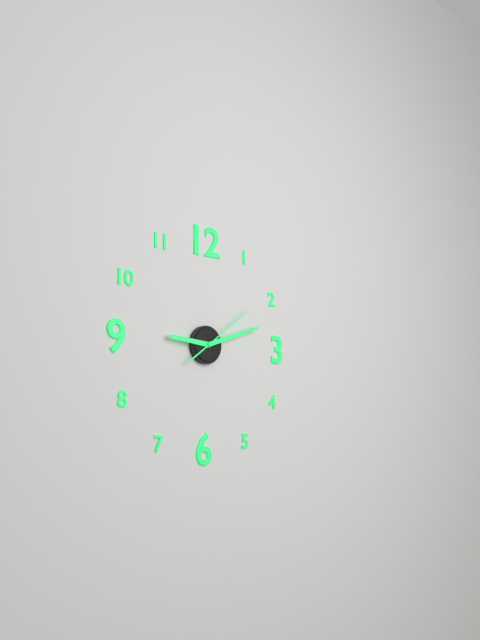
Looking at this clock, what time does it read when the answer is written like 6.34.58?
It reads 9.12.09
